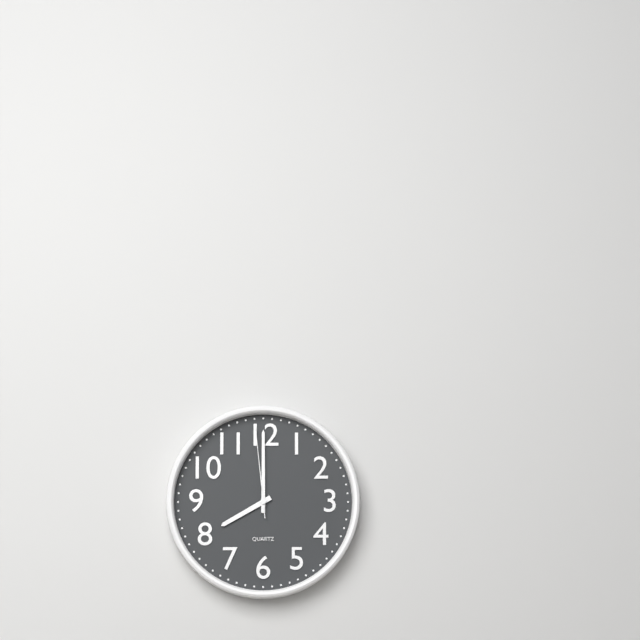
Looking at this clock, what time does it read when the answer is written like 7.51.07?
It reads 8.00.59
